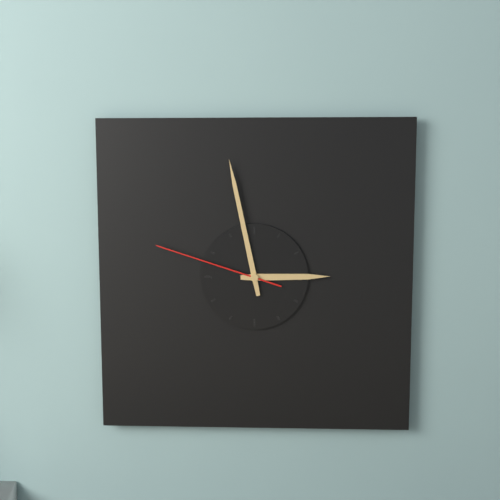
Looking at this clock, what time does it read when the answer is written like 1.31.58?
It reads 2.58.48
